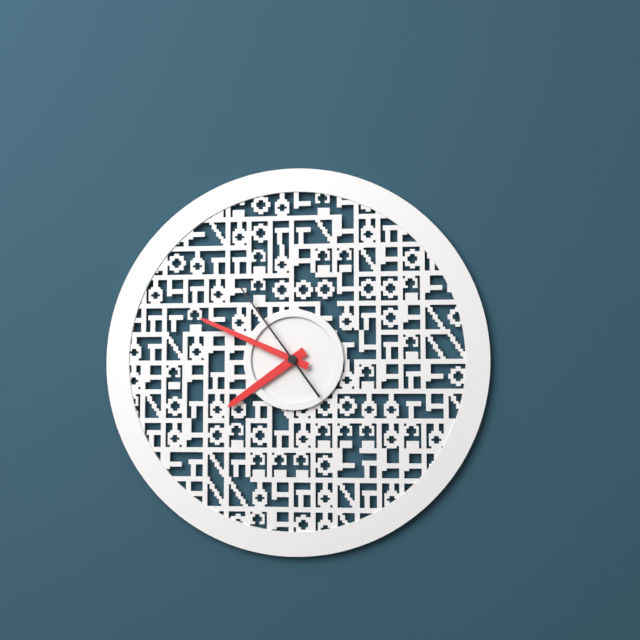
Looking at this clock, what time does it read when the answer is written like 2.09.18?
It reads 7.49.54
